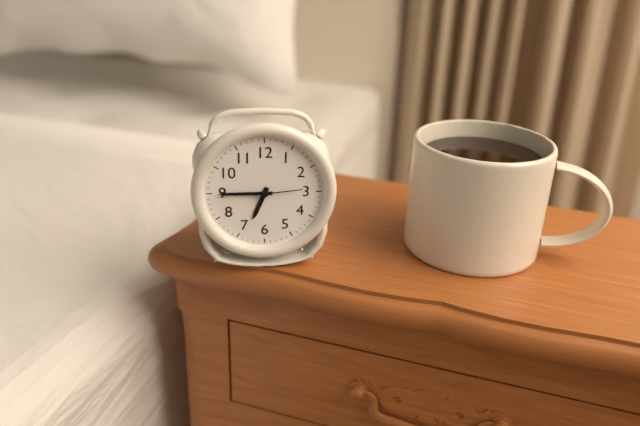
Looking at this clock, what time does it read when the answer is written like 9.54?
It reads 6.45
